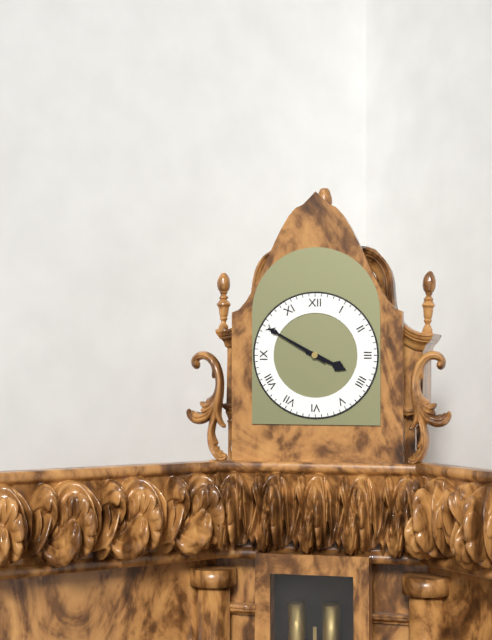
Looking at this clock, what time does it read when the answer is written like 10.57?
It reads 3.50
